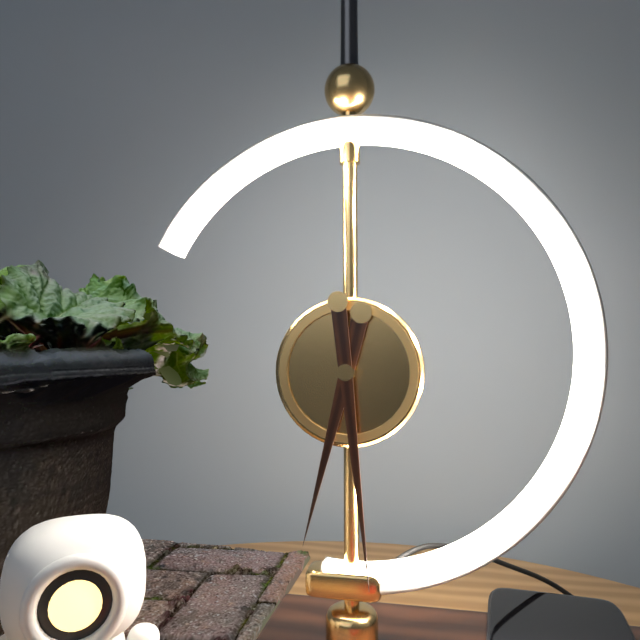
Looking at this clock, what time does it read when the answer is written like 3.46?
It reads 6.29
